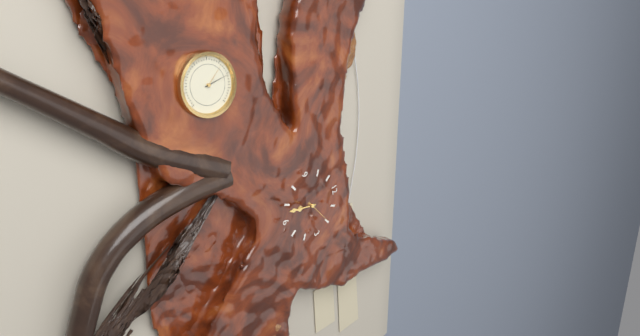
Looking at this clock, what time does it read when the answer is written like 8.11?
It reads 6.33
